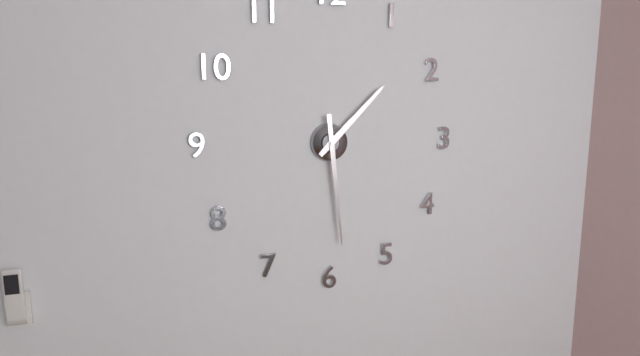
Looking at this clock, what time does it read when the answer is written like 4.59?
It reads 1.29
